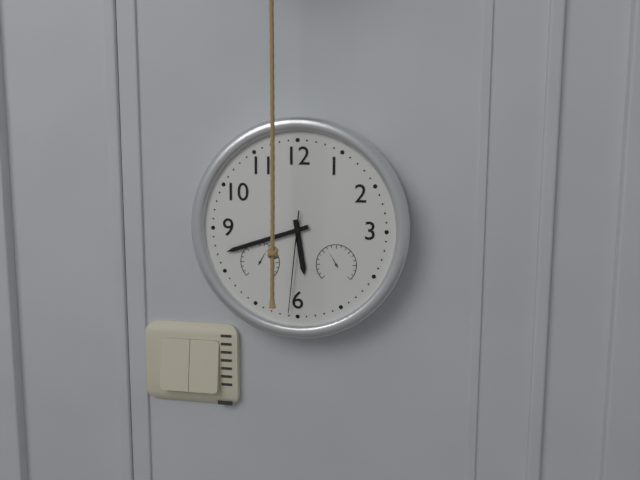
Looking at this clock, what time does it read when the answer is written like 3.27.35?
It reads 5.42.31
